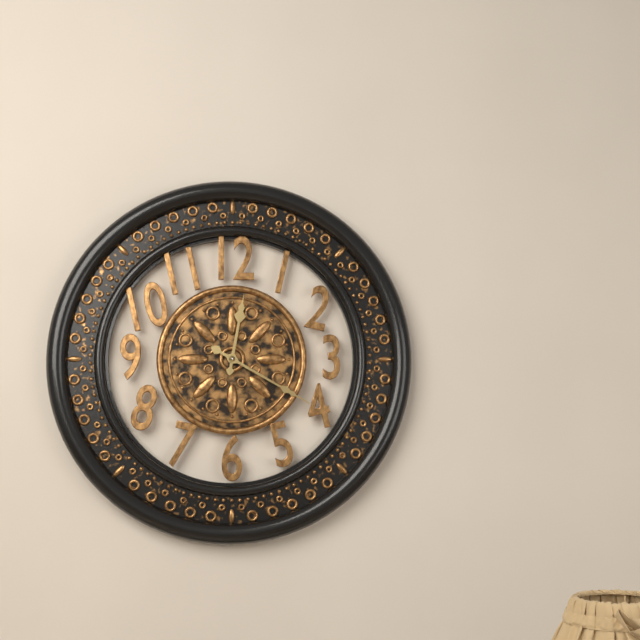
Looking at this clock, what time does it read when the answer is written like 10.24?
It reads 12.20
